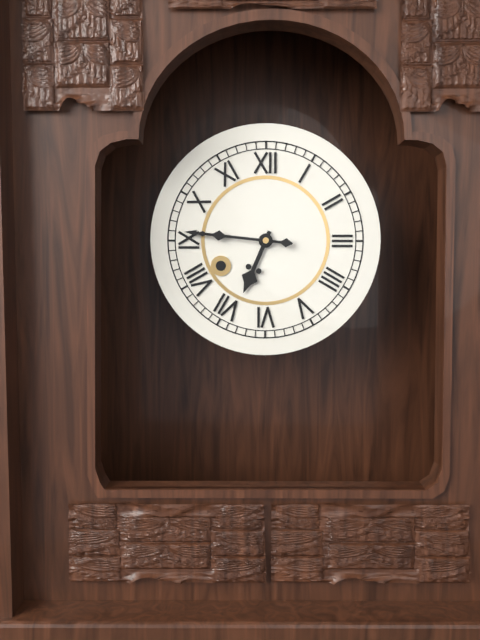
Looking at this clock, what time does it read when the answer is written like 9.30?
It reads 6.46
